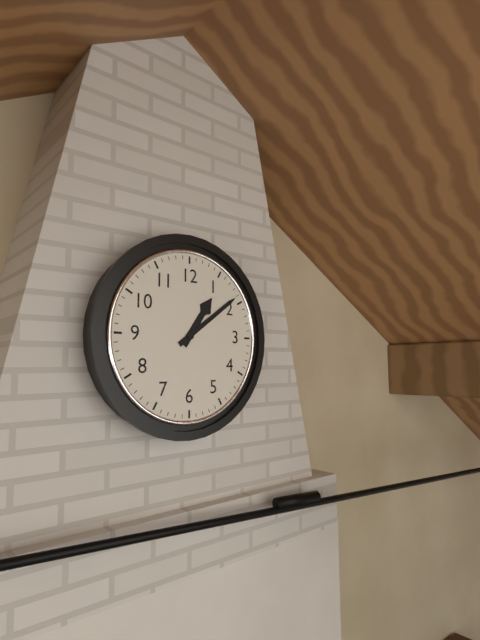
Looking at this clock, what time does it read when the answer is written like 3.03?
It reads 1.09
